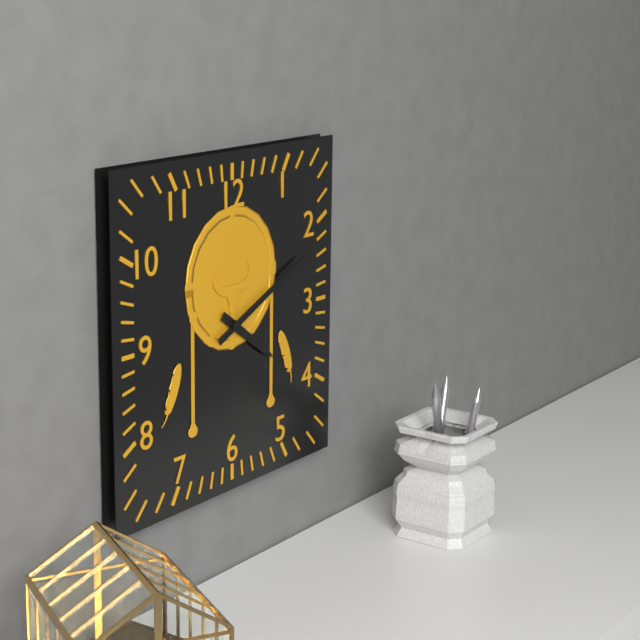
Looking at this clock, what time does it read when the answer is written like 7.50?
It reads 4.11
